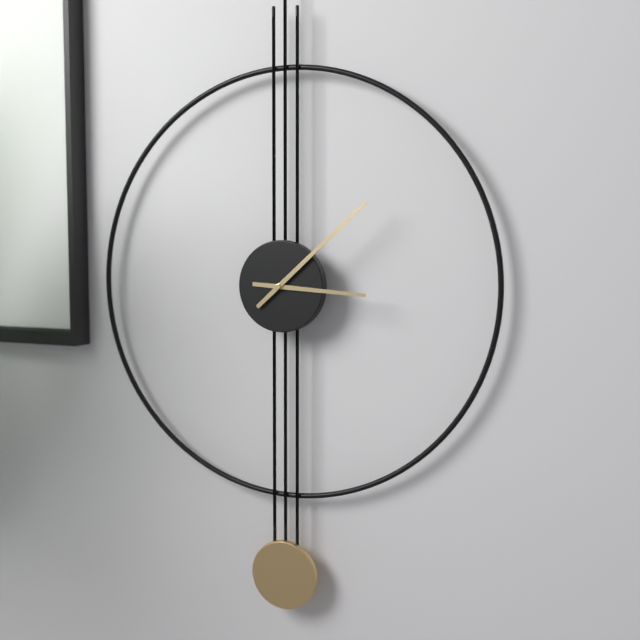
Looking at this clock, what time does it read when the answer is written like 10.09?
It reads 3.08
